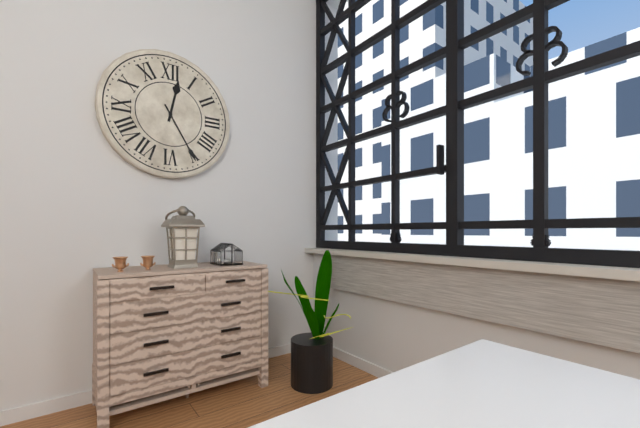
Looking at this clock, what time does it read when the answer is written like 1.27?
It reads 12.25
